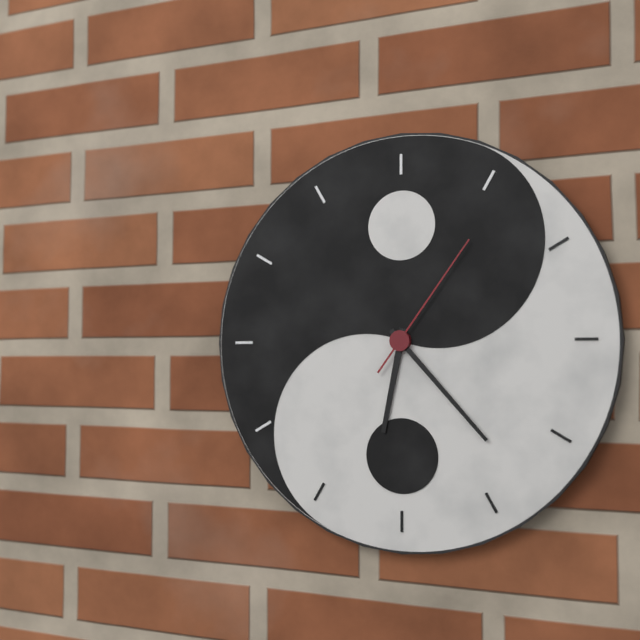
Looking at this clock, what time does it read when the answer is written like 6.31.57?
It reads 6.23.06
